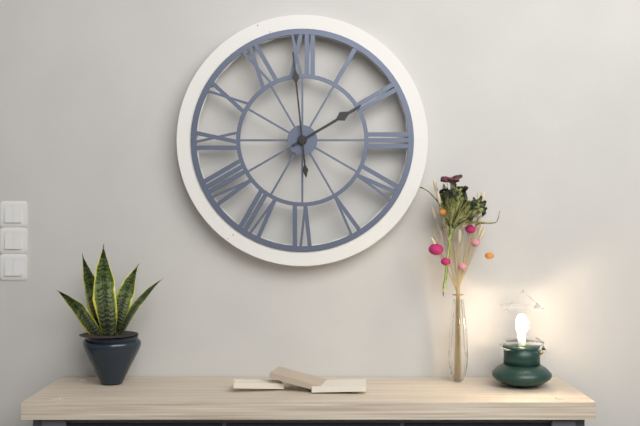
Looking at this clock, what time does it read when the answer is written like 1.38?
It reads 1.59
